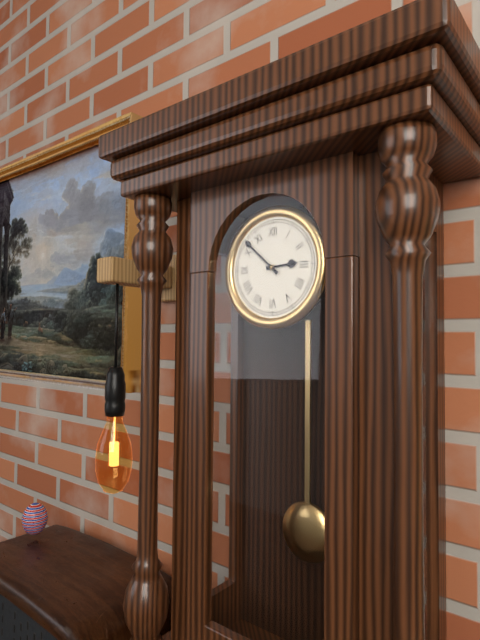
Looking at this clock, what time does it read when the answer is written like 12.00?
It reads 2.52
